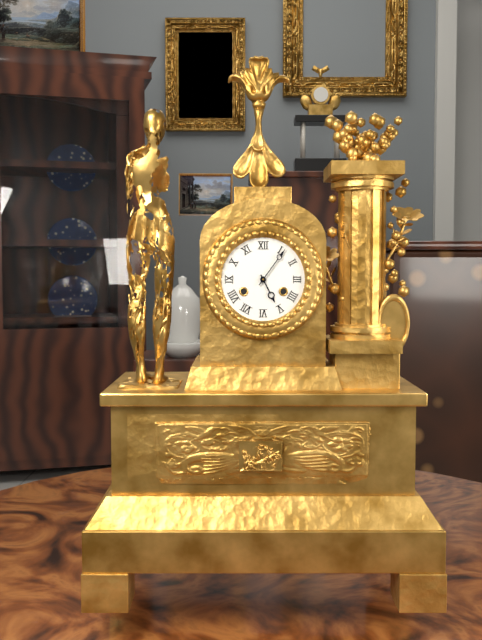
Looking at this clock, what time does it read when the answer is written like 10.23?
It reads 5.06
